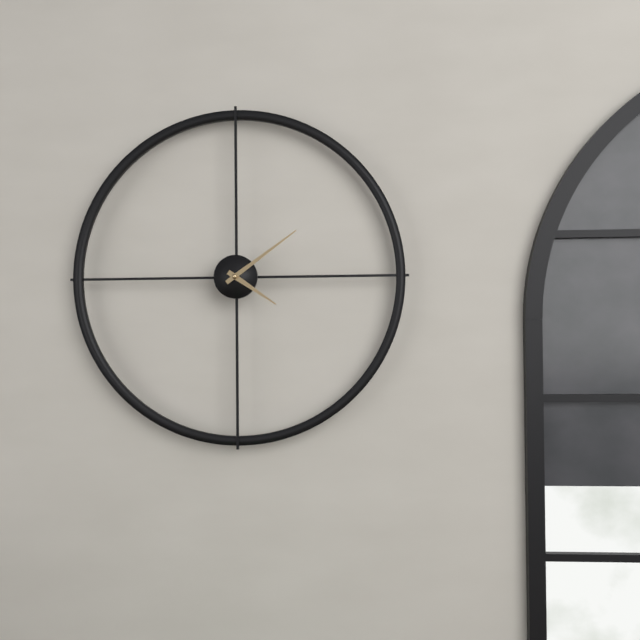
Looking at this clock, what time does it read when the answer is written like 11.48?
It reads 4.09
